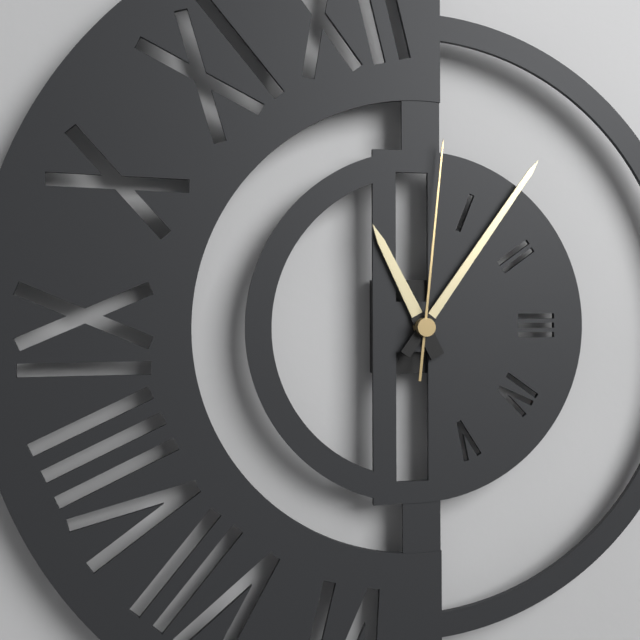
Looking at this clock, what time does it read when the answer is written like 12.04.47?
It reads 11.06.01
